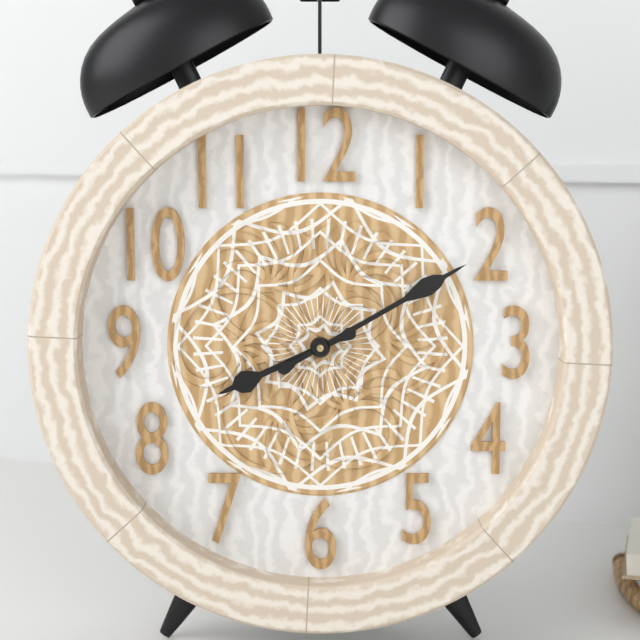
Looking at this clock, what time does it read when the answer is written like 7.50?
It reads 8.10
